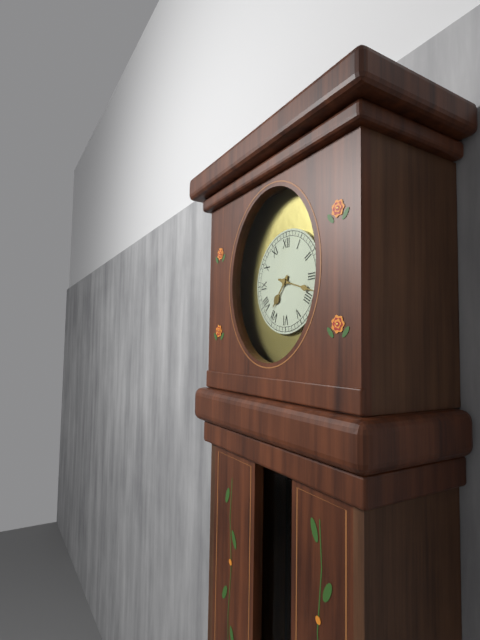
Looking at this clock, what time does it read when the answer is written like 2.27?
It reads 7.18
